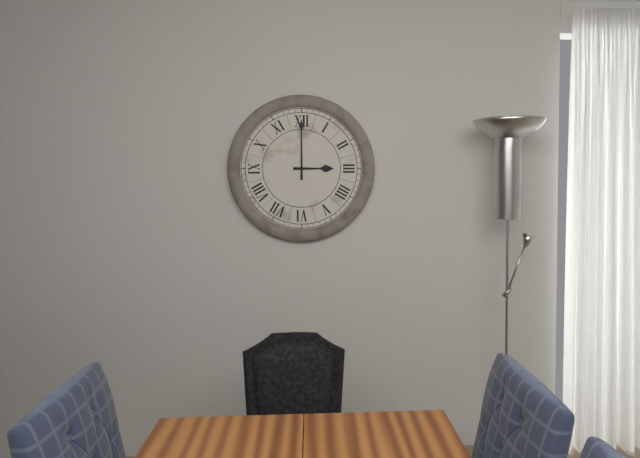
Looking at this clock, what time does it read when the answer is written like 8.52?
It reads 3.00
